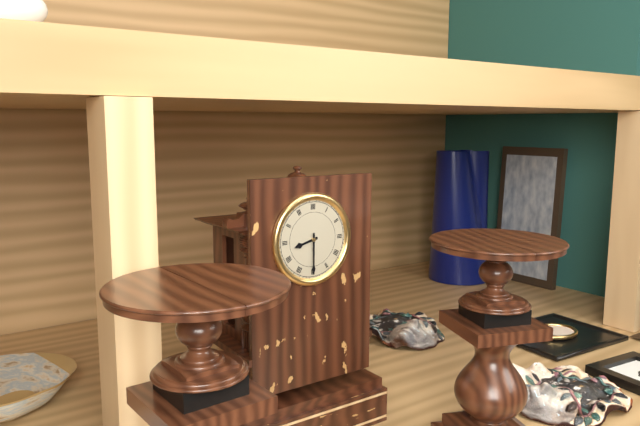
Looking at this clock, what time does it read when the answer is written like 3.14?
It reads 8.30
